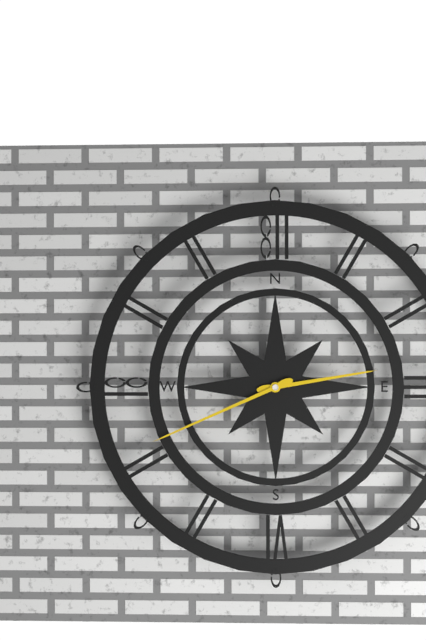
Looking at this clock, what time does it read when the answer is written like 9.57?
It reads 2.41
